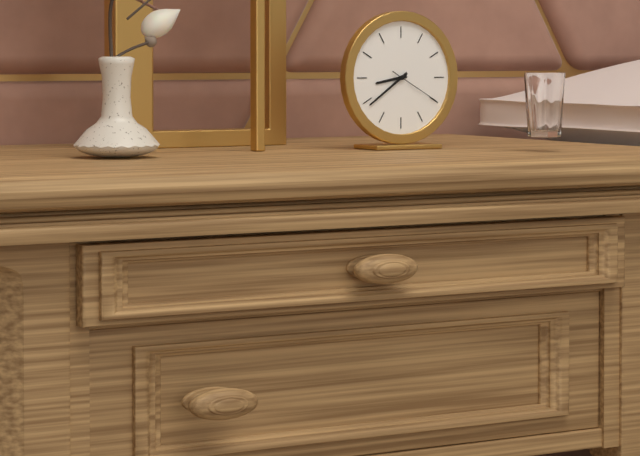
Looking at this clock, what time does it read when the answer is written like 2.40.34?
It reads 8.39.20
